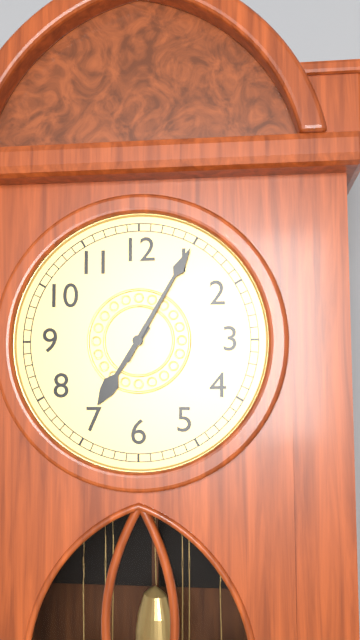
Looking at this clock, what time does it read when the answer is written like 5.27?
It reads 7.05
